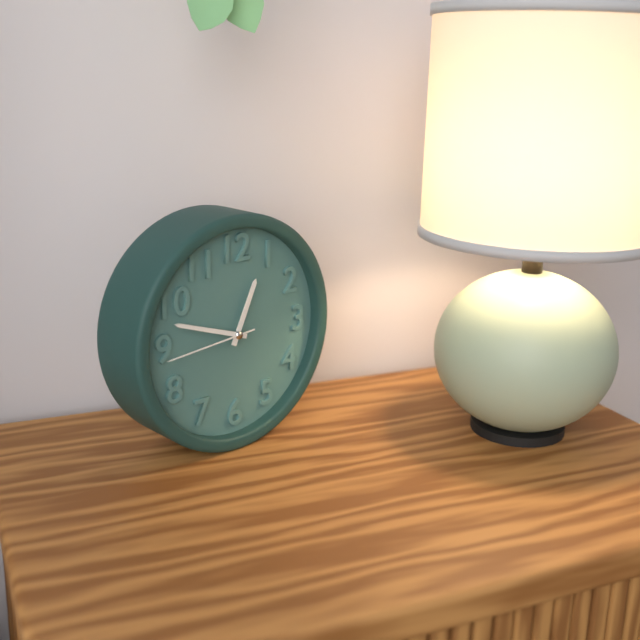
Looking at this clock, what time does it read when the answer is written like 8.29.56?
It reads 12.48.44
